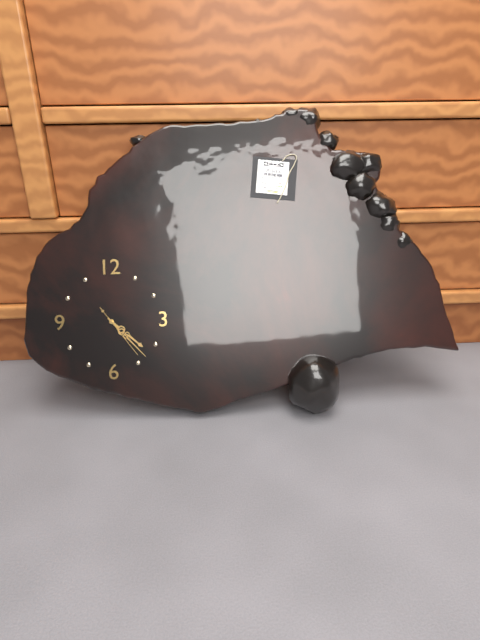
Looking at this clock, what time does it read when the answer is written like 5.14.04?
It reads 4.23.24
